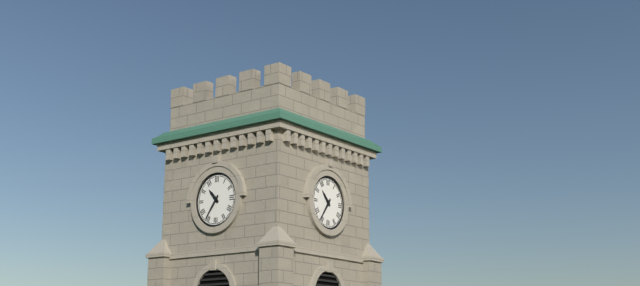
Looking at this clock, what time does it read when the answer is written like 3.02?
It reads 10.36
